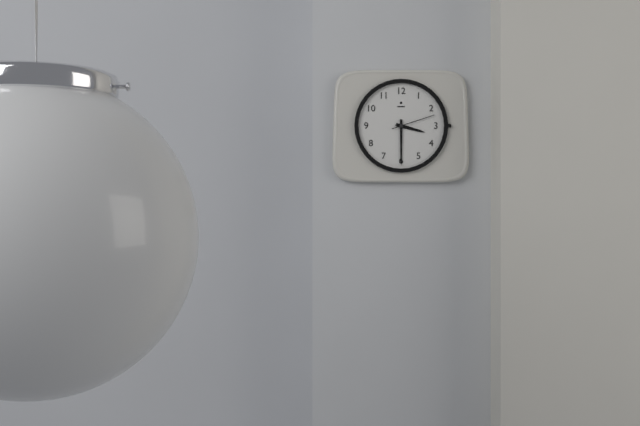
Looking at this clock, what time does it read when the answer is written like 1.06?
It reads 3.30
